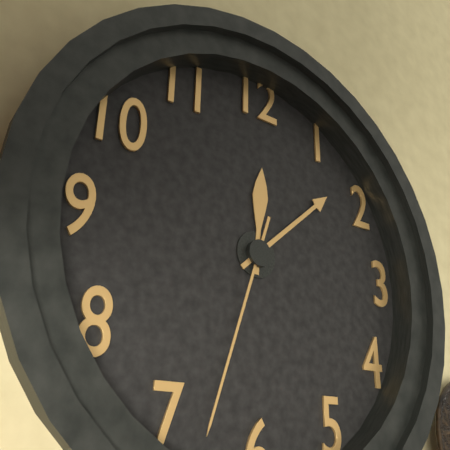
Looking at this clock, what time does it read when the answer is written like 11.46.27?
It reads 12.08.33
